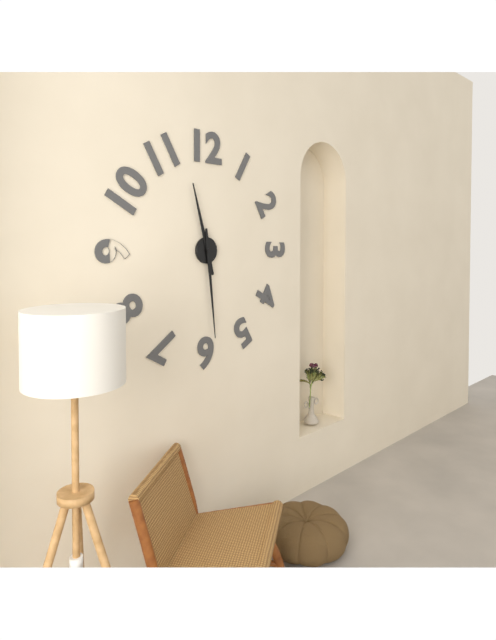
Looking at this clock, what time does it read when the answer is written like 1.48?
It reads 11.29
